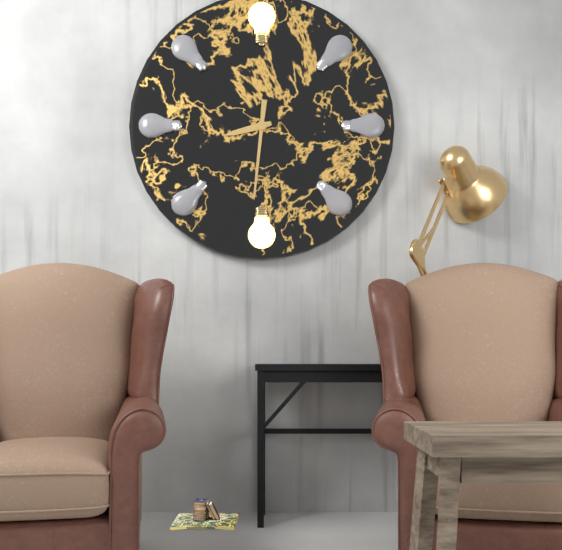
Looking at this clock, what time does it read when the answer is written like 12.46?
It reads 8.31
